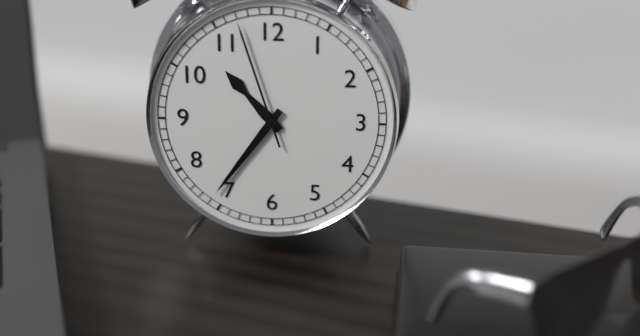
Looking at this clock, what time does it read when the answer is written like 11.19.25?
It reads 10.36.57
